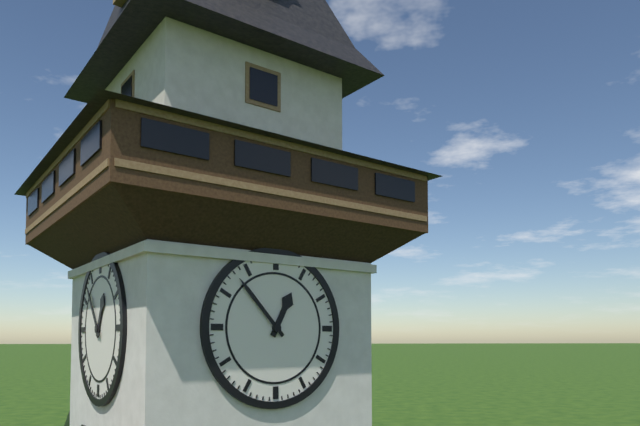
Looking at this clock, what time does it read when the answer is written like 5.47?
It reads 12.53
